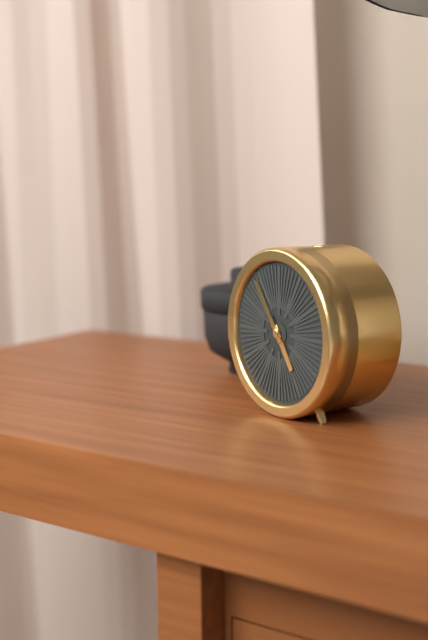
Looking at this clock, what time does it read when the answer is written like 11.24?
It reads 4.54
